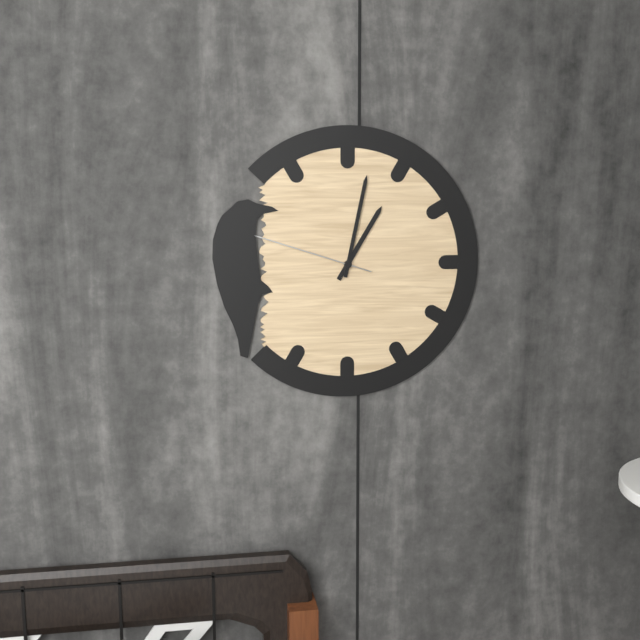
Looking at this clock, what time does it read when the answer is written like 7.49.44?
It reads 1.02.48
